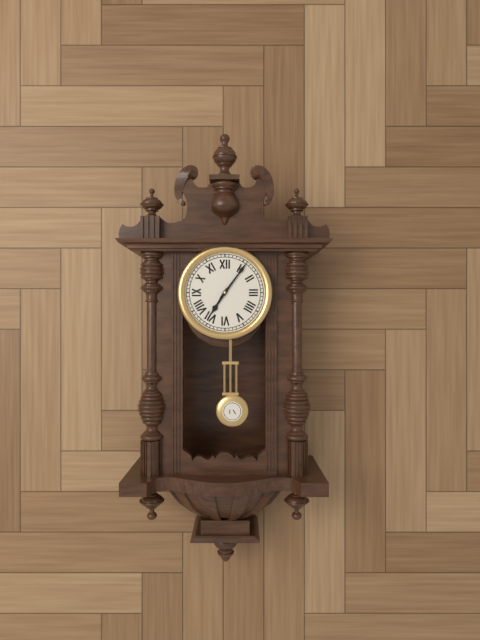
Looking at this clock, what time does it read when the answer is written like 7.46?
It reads 7.06
